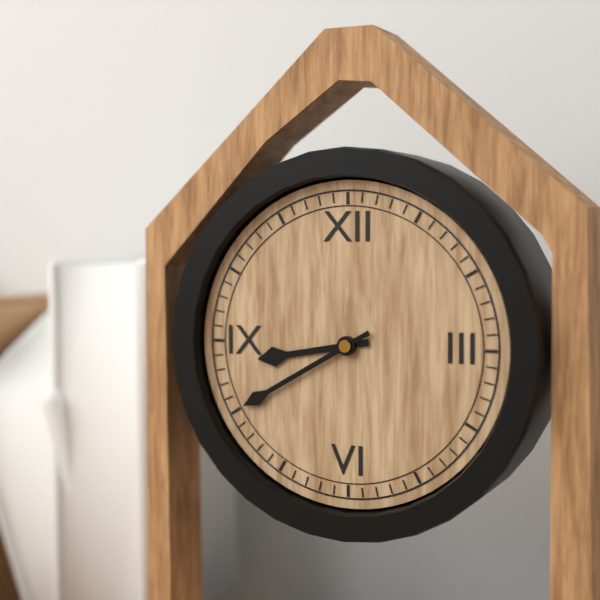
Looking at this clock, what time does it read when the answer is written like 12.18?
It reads 8.40
